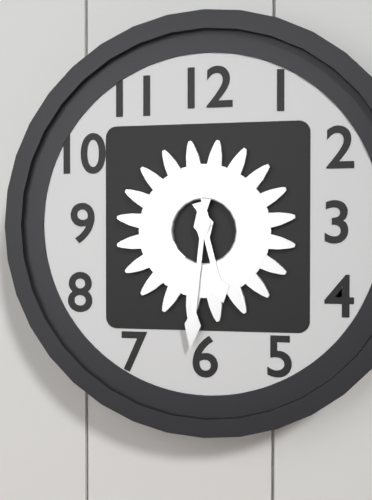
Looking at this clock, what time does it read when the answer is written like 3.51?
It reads 5.31
